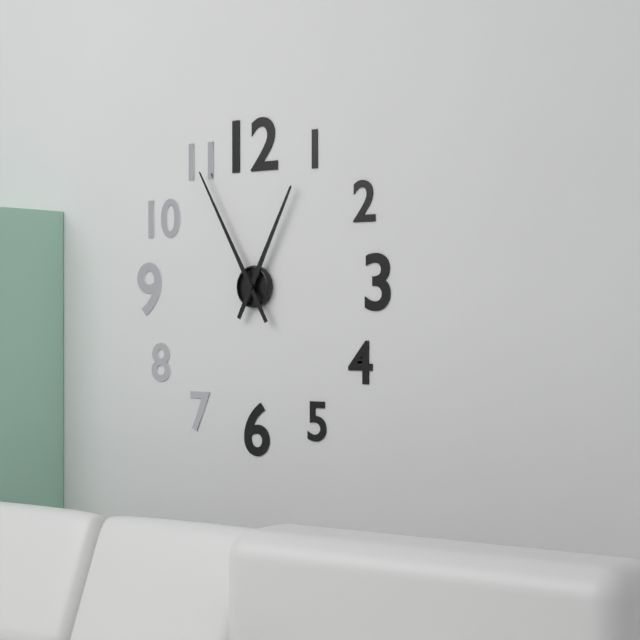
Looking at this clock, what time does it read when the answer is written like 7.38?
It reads 12.55
